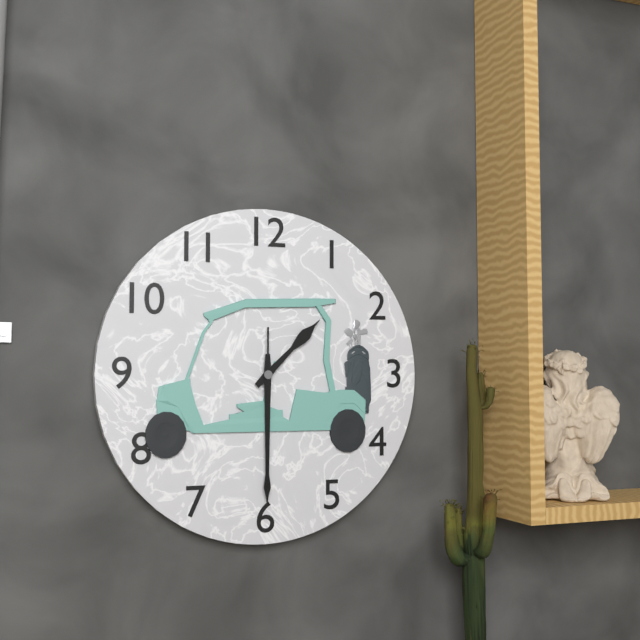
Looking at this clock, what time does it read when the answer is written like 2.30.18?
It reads 1.30.30
